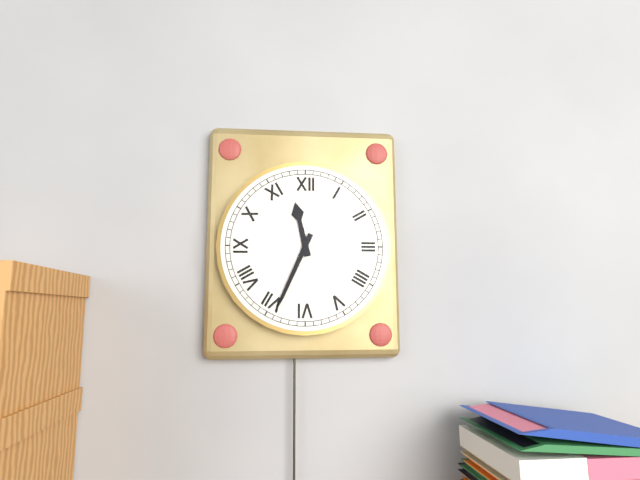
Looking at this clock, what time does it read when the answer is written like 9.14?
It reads 11.34
